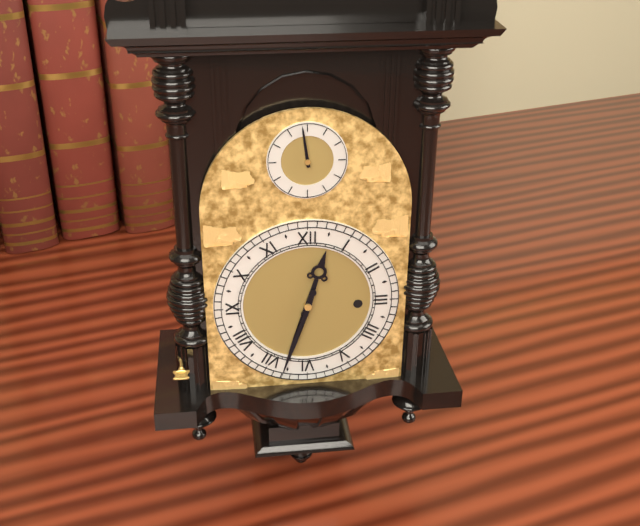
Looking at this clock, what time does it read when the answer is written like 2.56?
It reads 12.33
